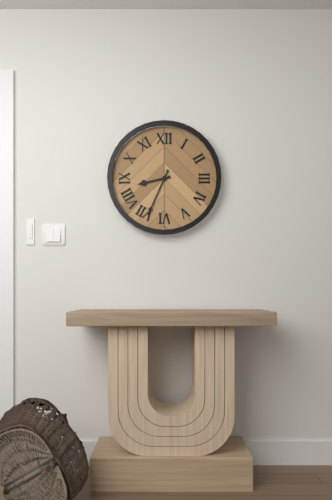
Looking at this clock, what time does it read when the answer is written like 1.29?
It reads 8.34
